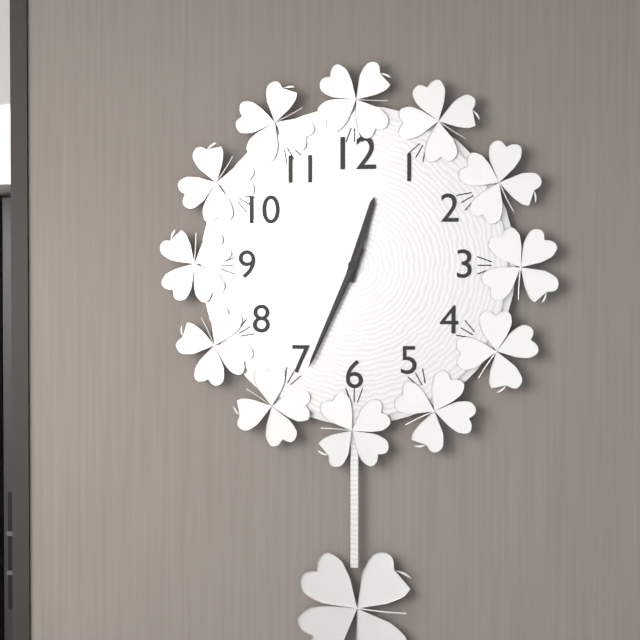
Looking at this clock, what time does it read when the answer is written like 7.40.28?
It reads 12.34.34
